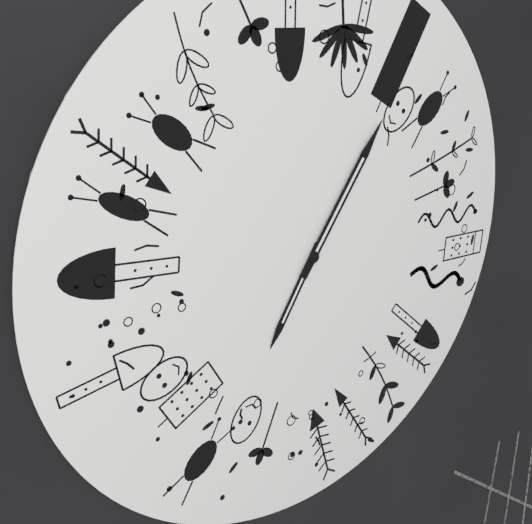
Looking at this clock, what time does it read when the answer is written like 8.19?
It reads 7.06
